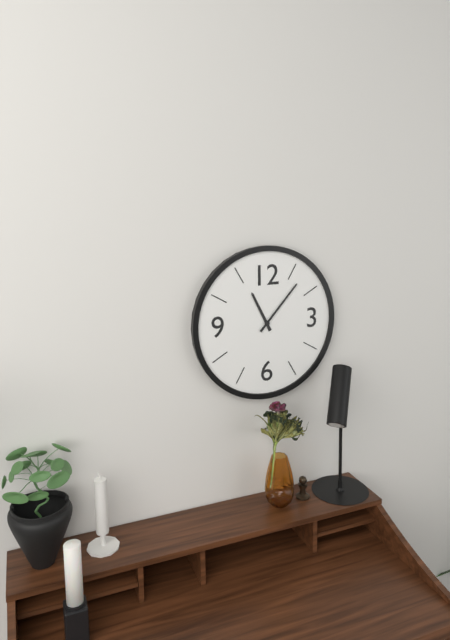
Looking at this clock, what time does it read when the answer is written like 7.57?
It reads 11.07
